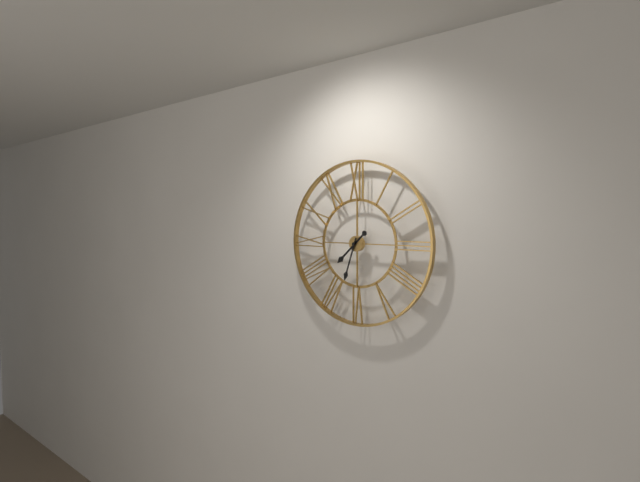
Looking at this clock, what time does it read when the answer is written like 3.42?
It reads 7.33
